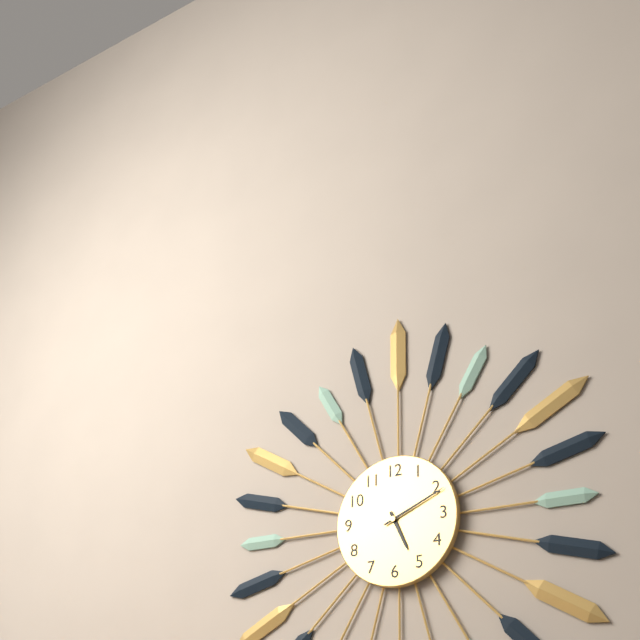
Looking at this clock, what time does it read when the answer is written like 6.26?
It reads 5.11
